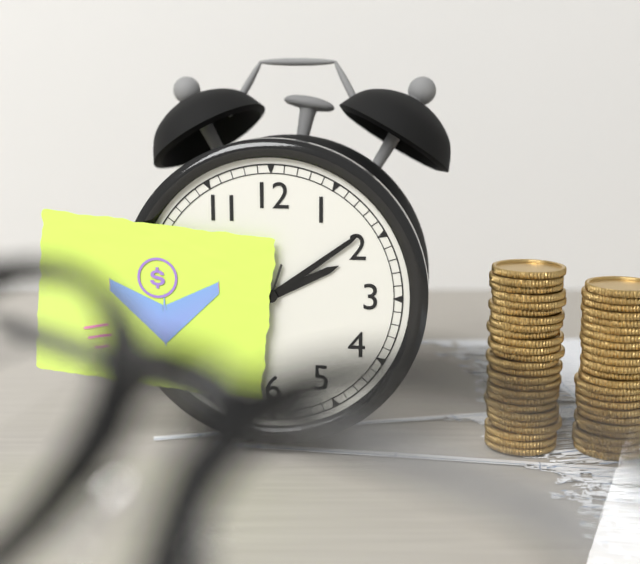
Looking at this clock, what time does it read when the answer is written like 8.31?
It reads 2.09
